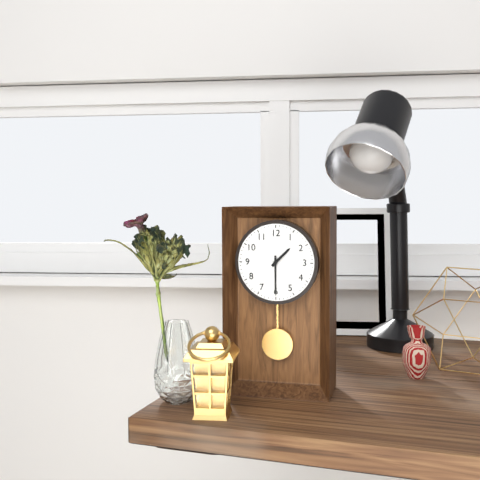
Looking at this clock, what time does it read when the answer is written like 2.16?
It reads 1.30
